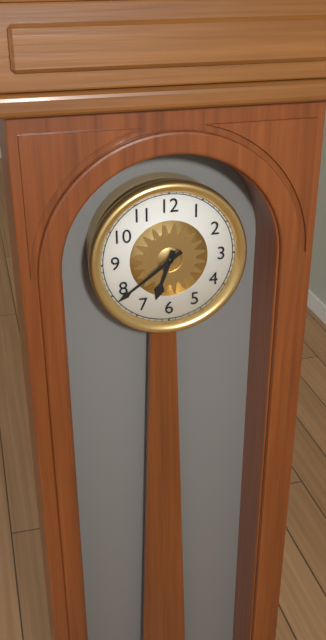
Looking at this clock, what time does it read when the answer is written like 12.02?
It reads 6.39
